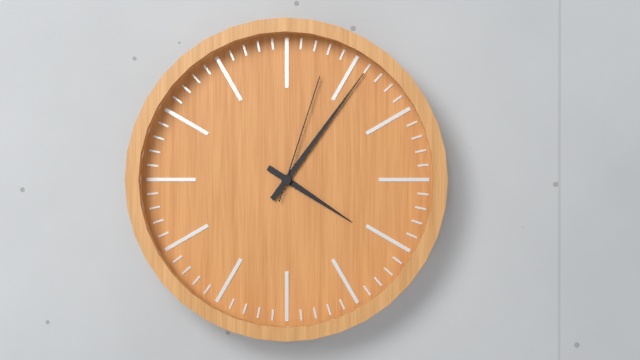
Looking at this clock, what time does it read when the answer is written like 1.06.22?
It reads 4.06.03
